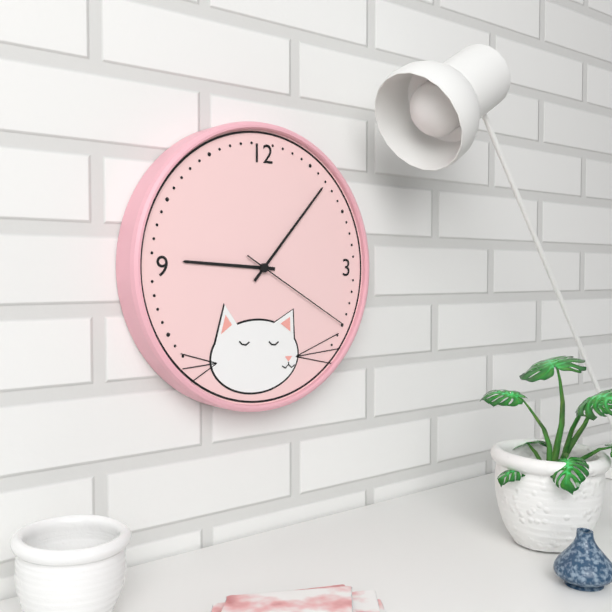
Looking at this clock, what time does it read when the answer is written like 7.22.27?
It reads 9.07.20
